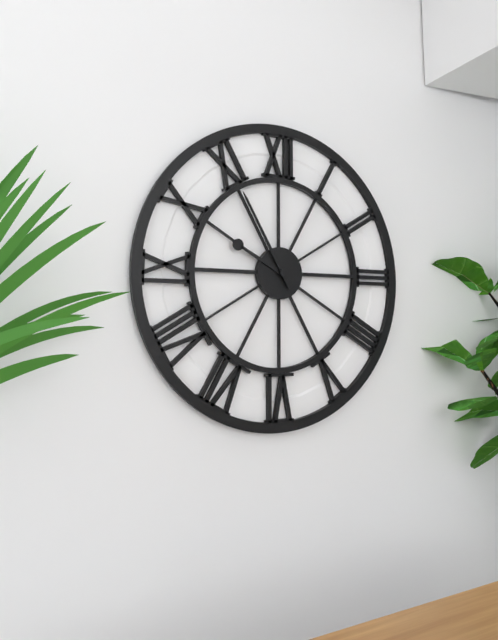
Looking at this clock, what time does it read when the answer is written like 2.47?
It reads 9.55
